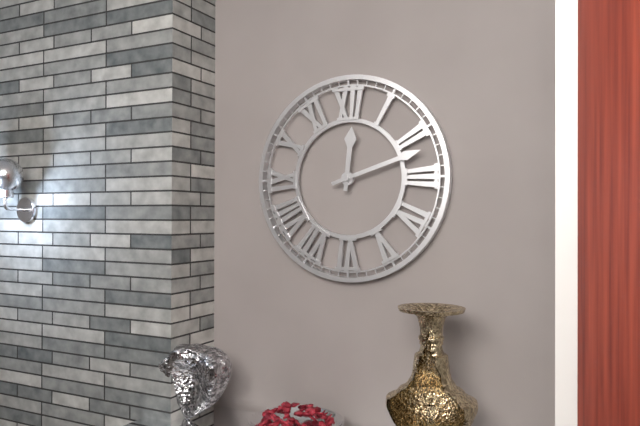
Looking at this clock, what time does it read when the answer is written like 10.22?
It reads 12.12
